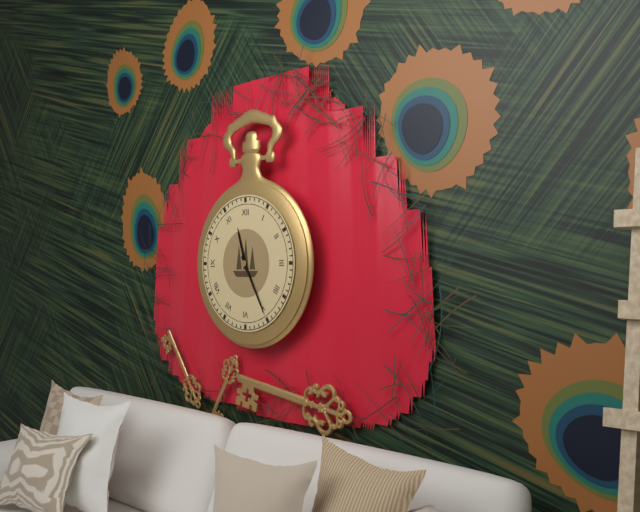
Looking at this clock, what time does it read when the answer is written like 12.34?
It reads 11.25
